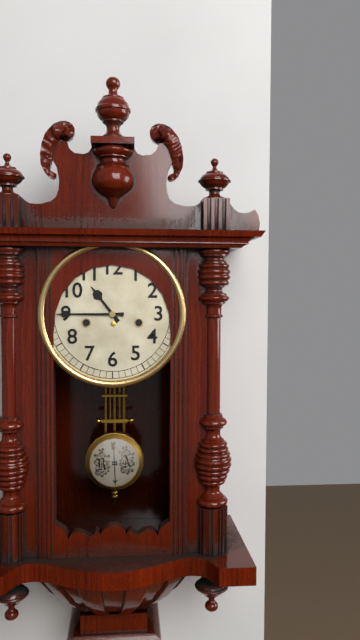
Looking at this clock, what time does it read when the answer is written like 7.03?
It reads 10.45
